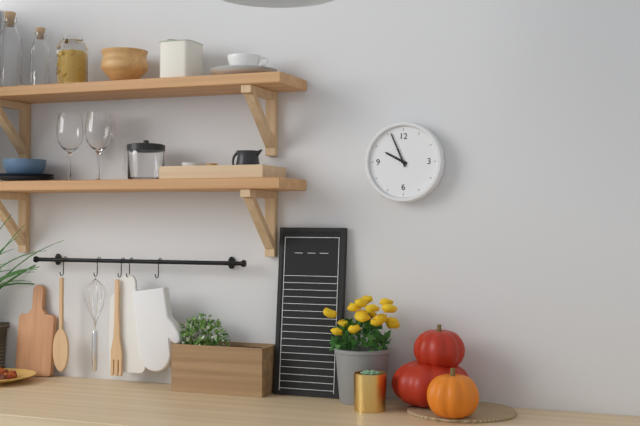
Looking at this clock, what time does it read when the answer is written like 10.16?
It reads 9.56
